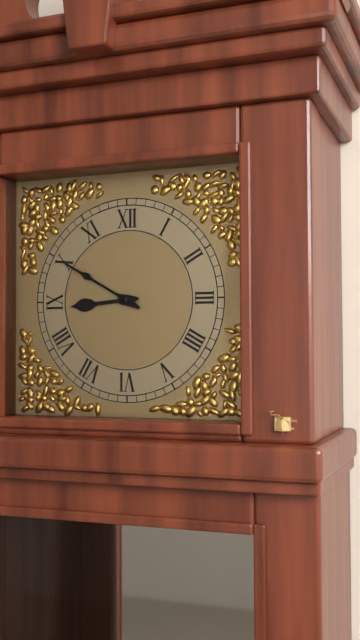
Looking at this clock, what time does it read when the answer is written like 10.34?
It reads 8.50
